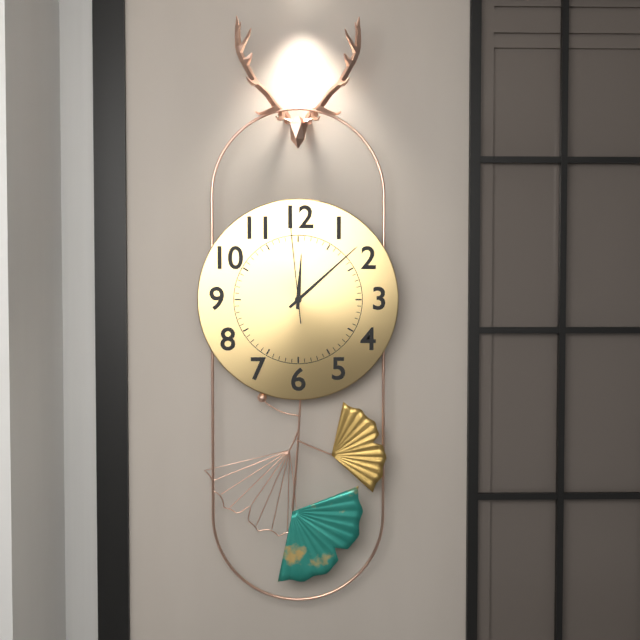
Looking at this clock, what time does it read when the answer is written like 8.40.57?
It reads 12.08.59
